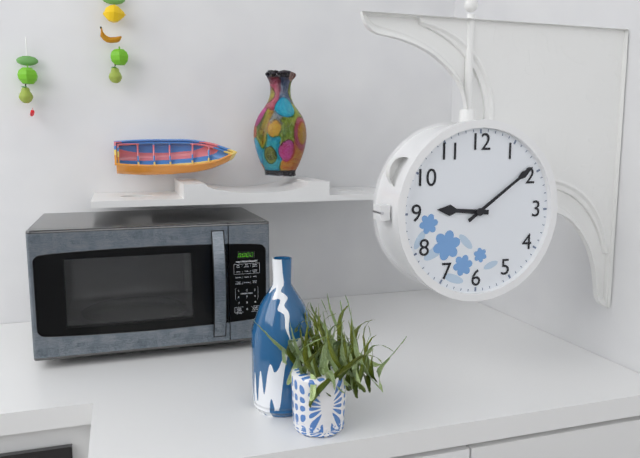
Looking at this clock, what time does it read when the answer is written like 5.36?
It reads 9.09
